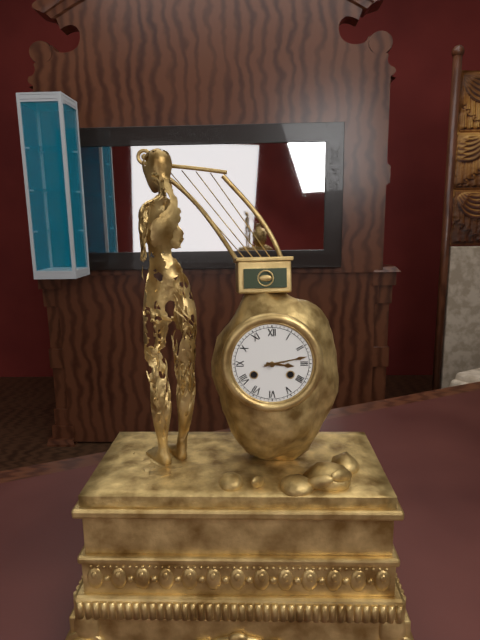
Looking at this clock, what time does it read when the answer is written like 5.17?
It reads 3.13
